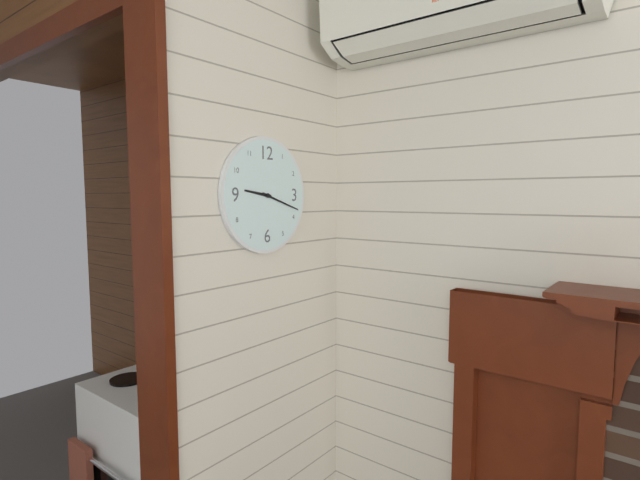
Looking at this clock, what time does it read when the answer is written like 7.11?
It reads 9.18
